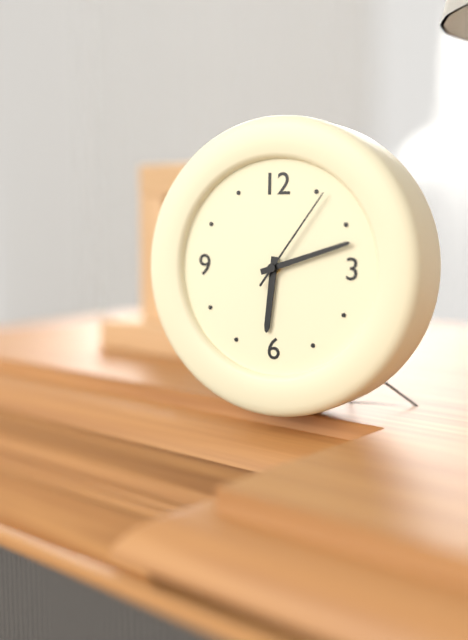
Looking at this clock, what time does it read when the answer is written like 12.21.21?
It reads 6.12.06
